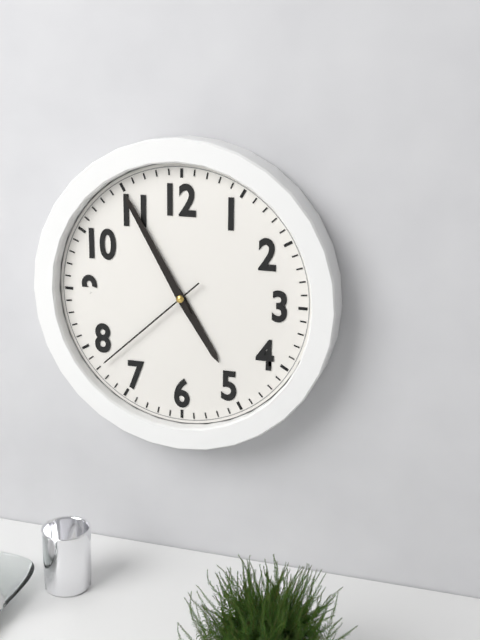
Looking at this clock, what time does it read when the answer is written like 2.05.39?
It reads 4.55.38
